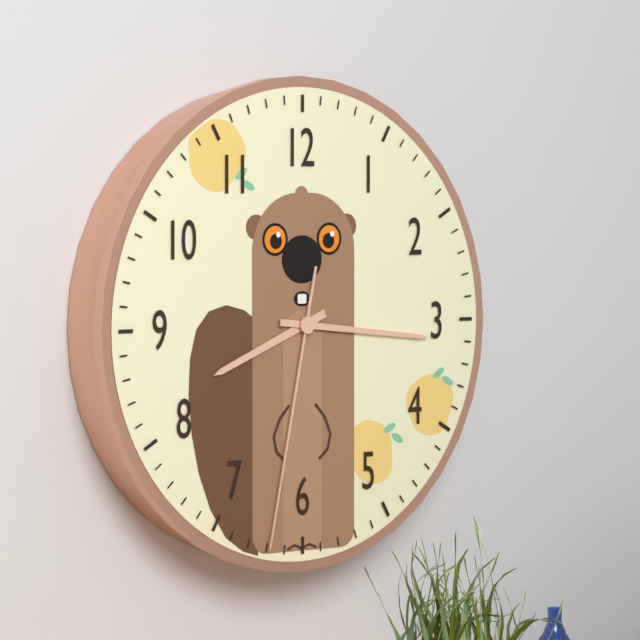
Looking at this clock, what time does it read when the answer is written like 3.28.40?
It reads 8.16.32
